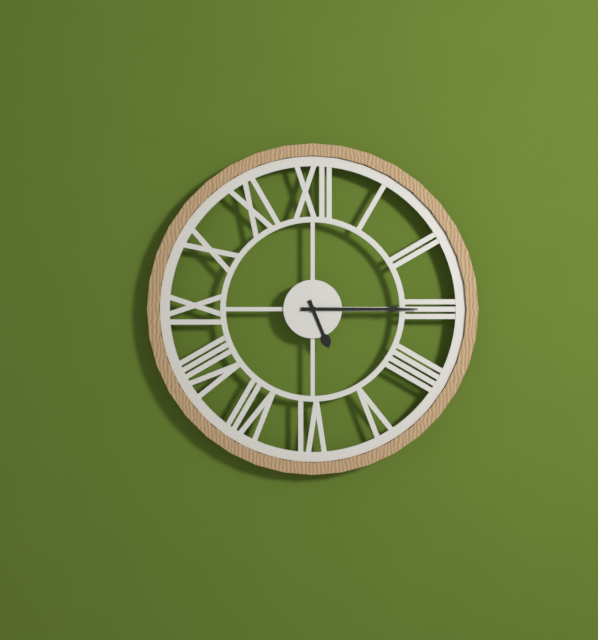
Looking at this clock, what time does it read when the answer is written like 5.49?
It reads 5.15
